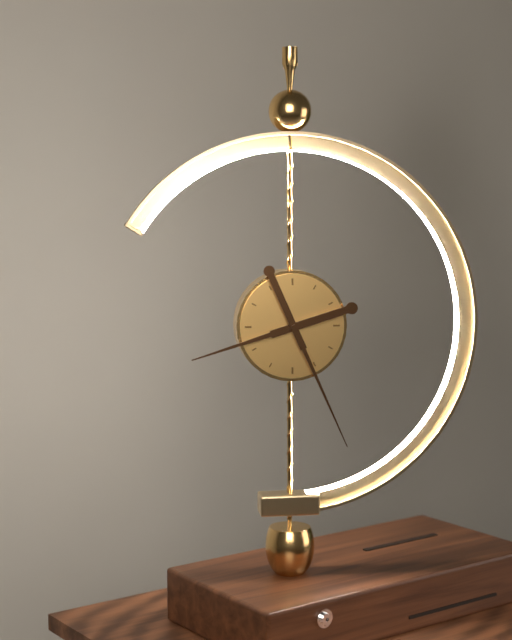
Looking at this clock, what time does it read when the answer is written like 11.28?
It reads 8.26
